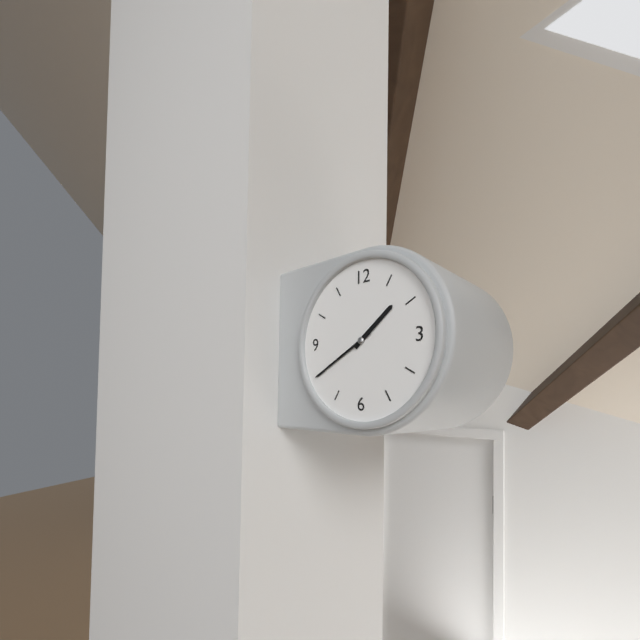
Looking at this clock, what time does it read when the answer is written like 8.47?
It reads 1.40
